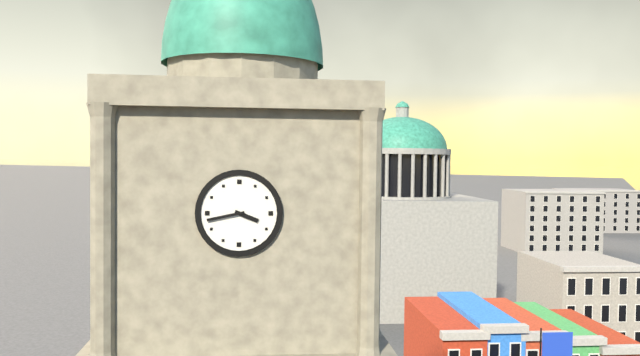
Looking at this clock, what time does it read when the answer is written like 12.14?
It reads 3.43
